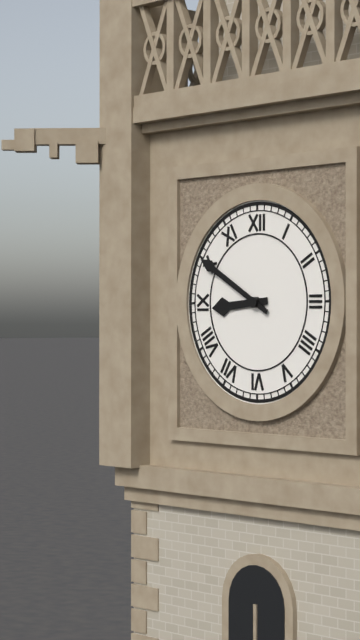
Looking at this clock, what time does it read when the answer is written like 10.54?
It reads 8.50
